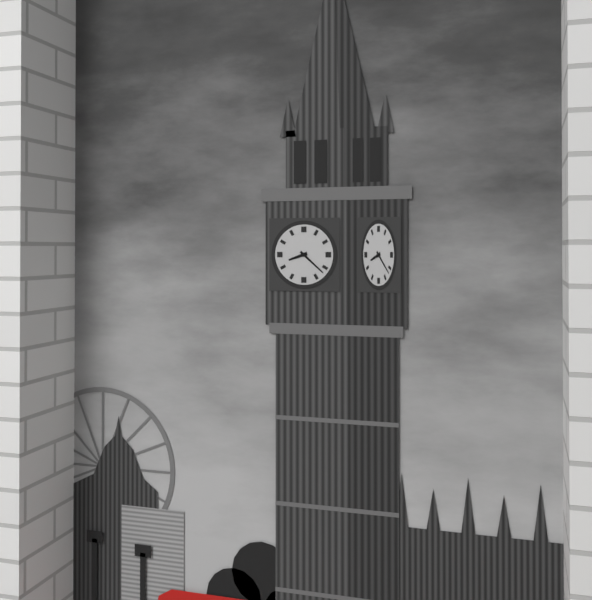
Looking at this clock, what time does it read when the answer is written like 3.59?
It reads 8.22
